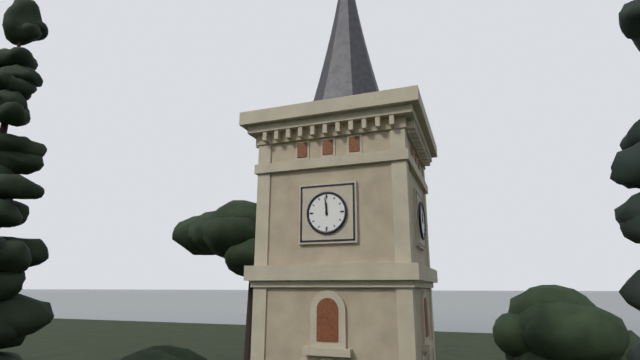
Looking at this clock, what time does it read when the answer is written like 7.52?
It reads 11.59
